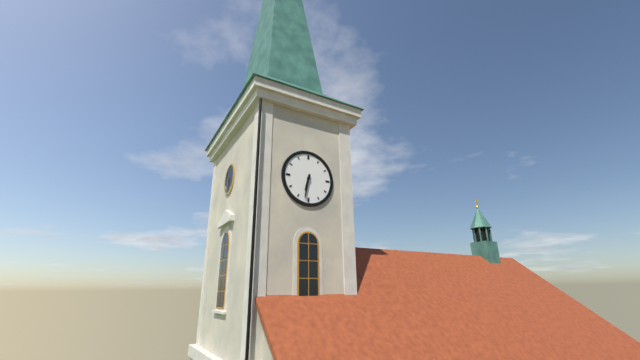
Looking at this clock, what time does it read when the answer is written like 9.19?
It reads 6.32
